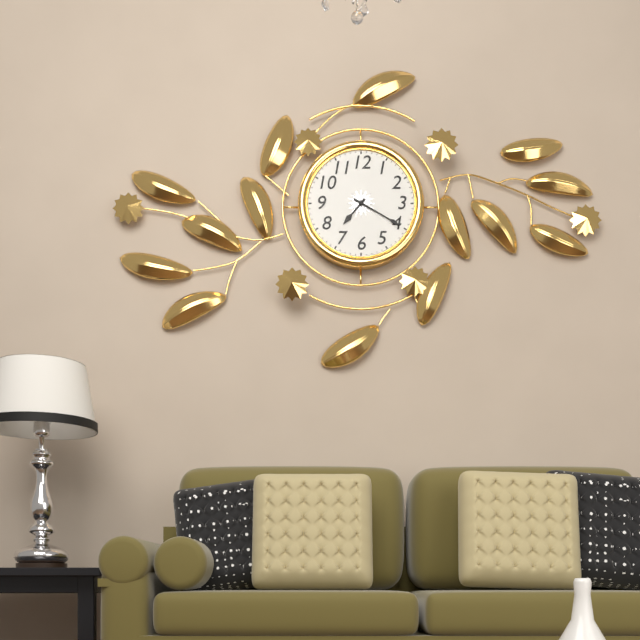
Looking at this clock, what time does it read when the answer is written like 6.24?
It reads 7.20
